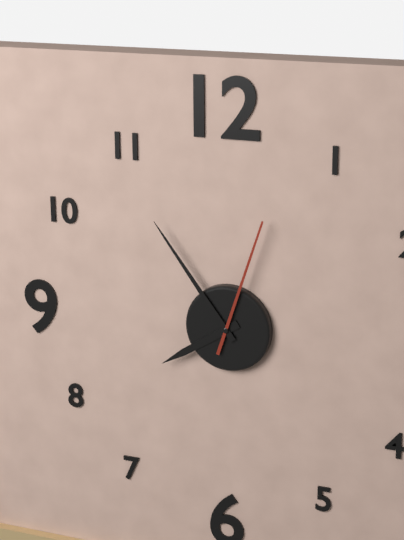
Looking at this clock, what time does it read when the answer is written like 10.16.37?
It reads 7.54.03
